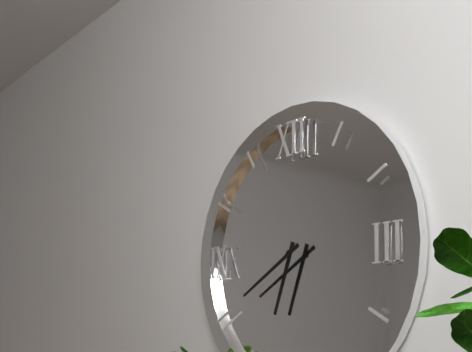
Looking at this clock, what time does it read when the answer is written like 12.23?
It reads 6.40
